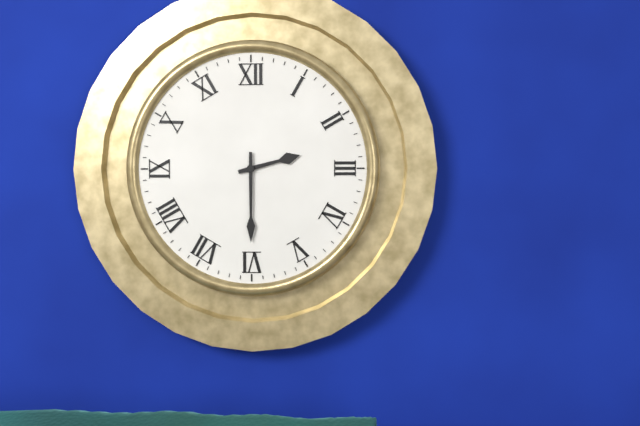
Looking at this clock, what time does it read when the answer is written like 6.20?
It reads 2.30
